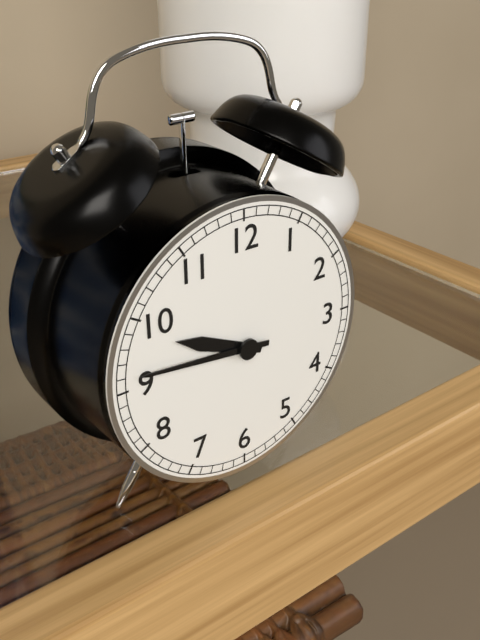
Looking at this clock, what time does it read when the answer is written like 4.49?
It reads 9.46
